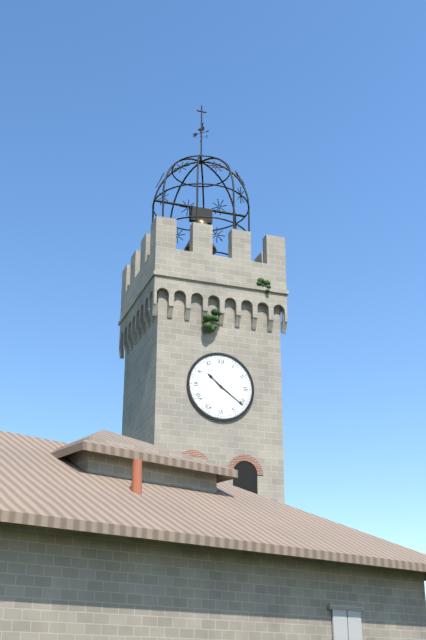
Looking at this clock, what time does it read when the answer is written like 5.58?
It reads 10.21
